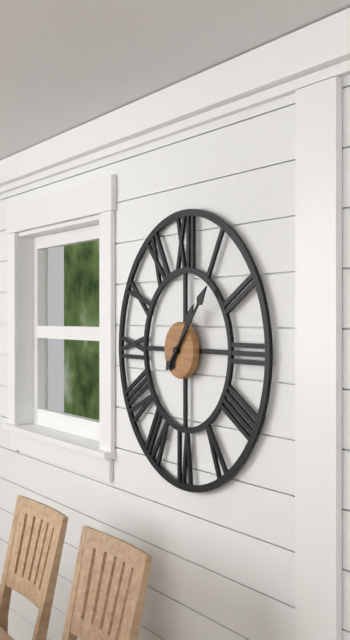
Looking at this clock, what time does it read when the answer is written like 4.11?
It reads 1.07
